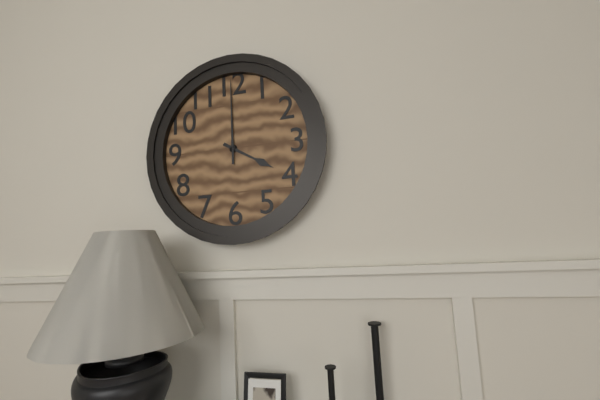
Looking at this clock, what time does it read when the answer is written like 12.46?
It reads 4.00
